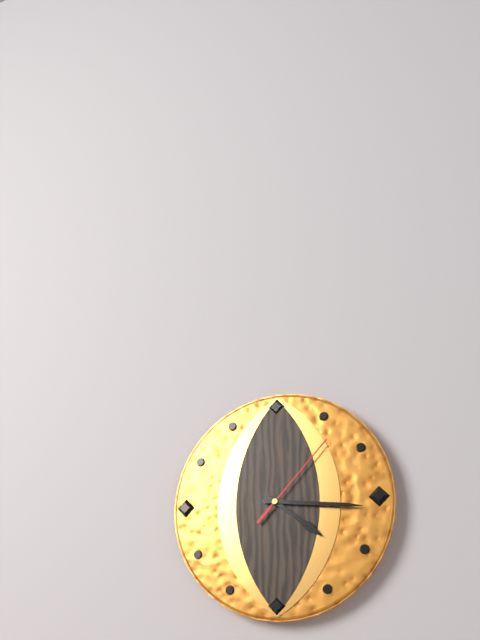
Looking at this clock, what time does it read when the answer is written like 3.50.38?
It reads 4.16.07
